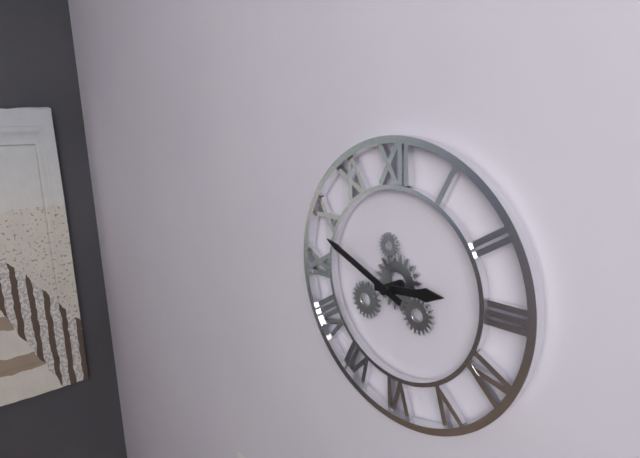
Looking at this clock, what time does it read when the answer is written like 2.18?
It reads 2.49
